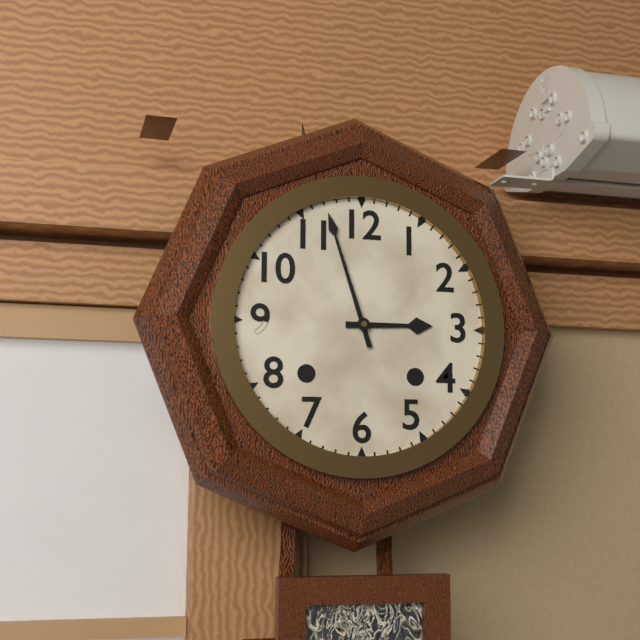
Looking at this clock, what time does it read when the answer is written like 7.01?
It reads 2.57
